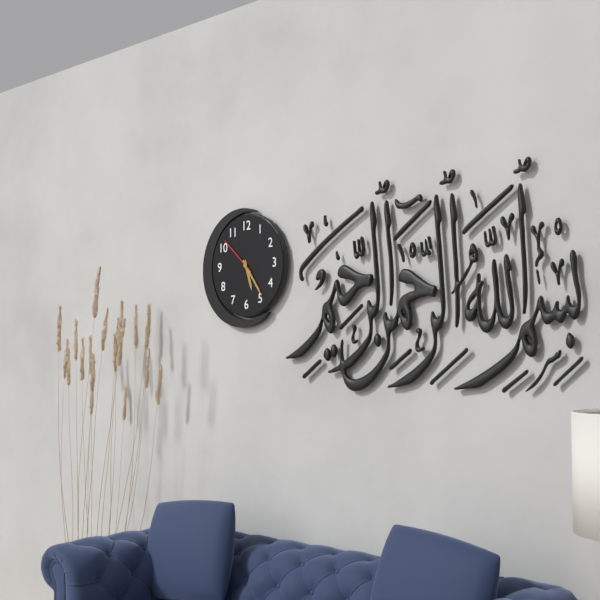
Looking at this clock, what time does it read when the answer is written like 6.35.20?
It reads 5.24.52
